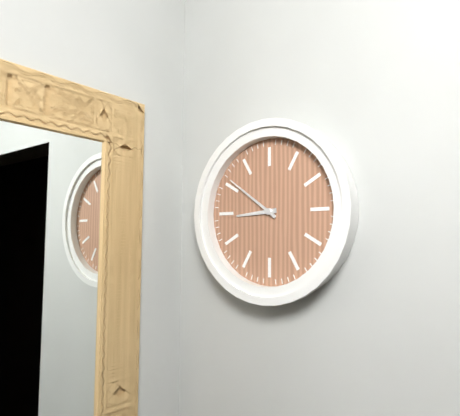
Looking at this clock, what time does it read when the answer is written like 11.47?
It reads 8.51
